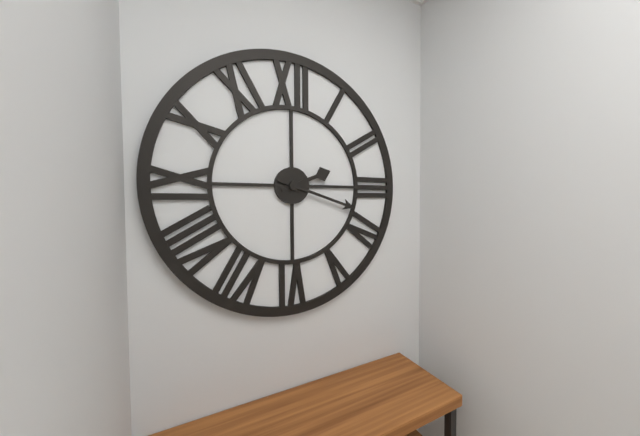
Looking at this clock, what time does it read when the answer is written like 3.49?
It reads 2.18
